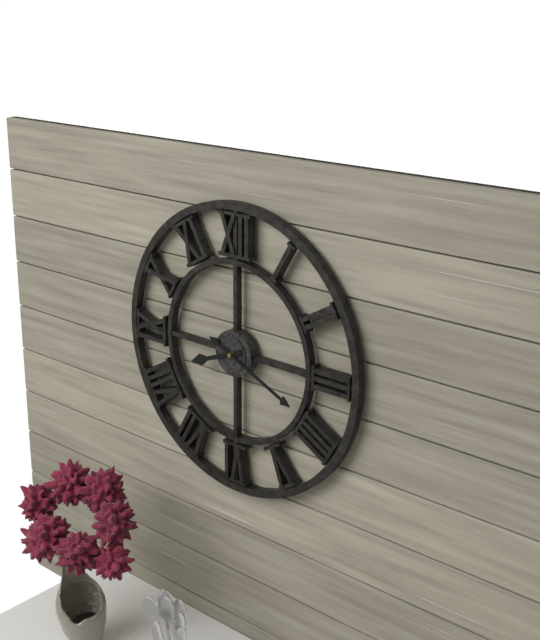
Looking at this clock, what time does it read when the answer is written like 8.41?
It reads 8.19
